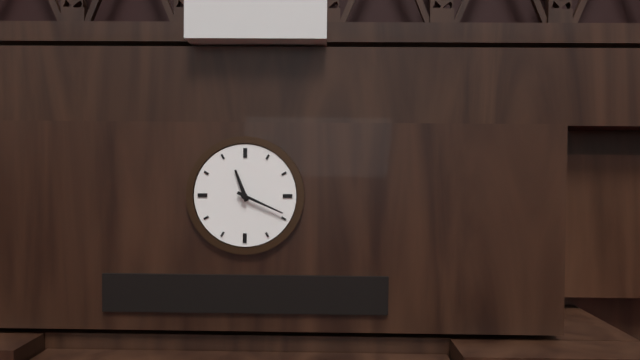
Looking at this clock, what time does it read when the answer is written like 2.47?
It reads 11.19
